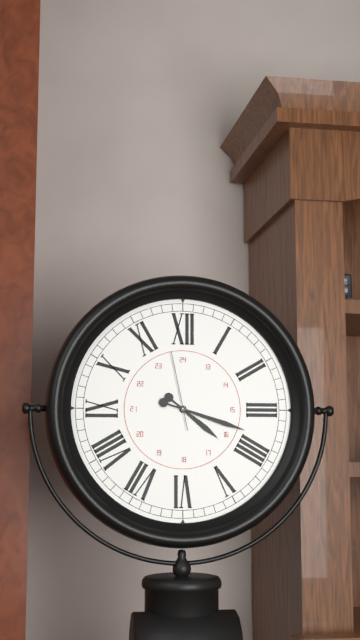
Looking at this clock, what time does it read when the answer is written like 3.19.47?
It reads 4.18.58
